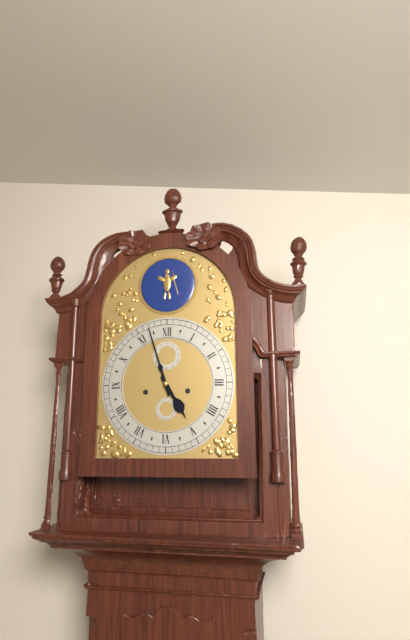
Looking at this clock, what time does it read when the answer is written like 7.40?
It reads 4.57
